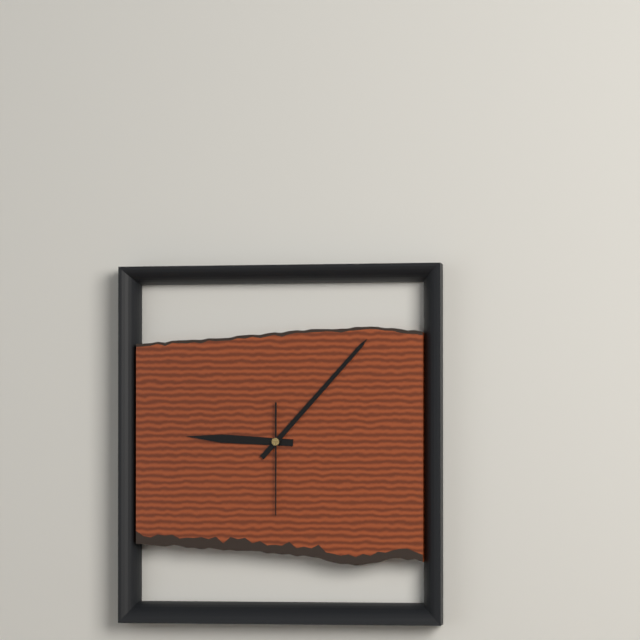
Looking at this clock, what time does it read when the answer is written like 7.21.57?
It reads 9.07.30
